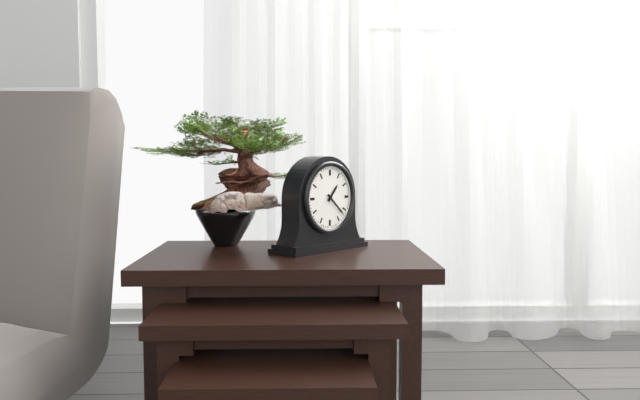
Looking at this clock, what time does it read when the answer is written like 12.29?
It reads 1.22
